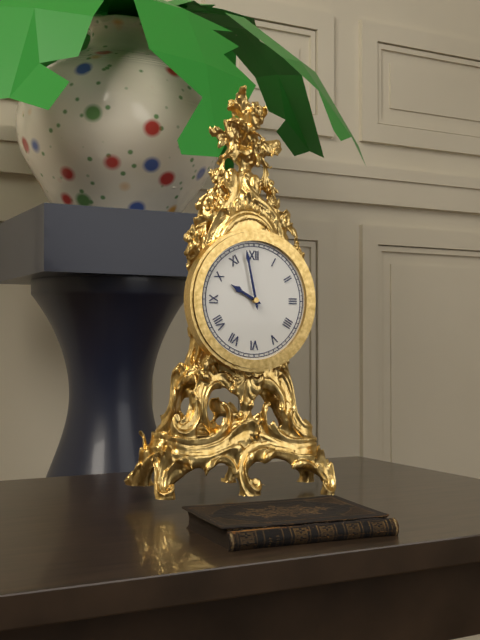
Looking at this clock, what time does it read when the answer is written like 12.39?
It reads 9.58
